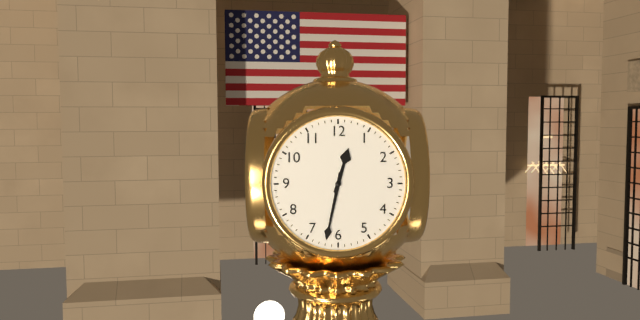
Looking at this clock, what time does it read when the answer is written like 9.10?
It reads 12.32
